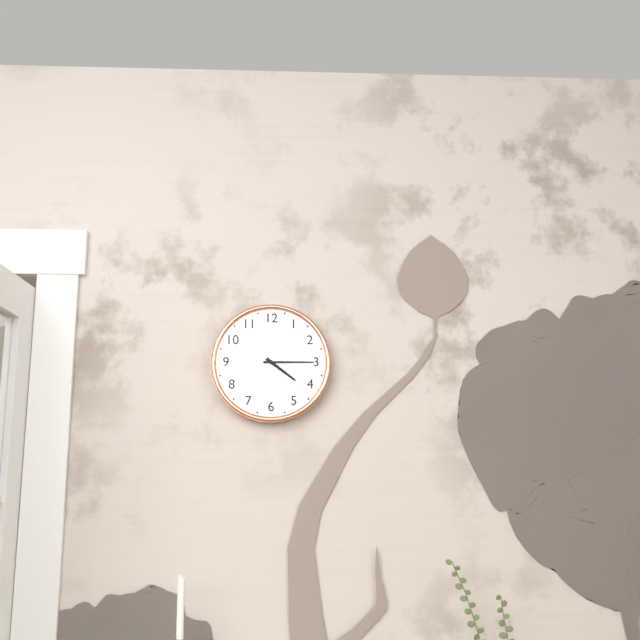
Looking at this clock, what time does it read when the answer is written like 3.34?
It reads 4.15
